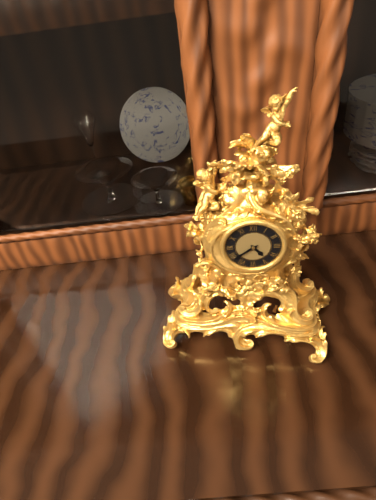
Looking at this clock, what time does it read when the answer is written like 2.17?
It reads 4.39
